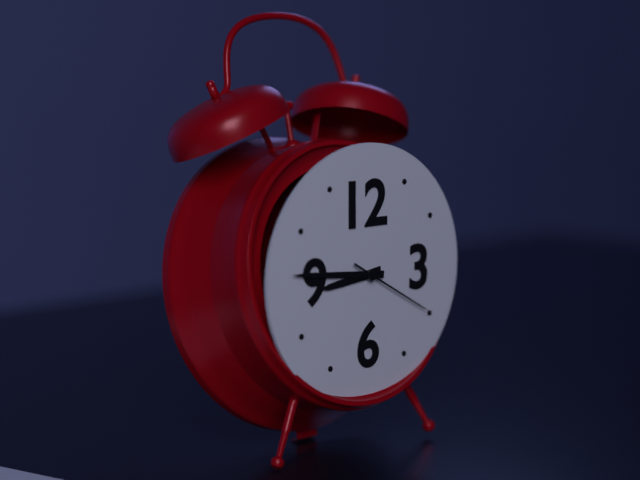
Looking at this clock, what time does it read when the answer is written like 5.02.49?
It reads 8.46.20
